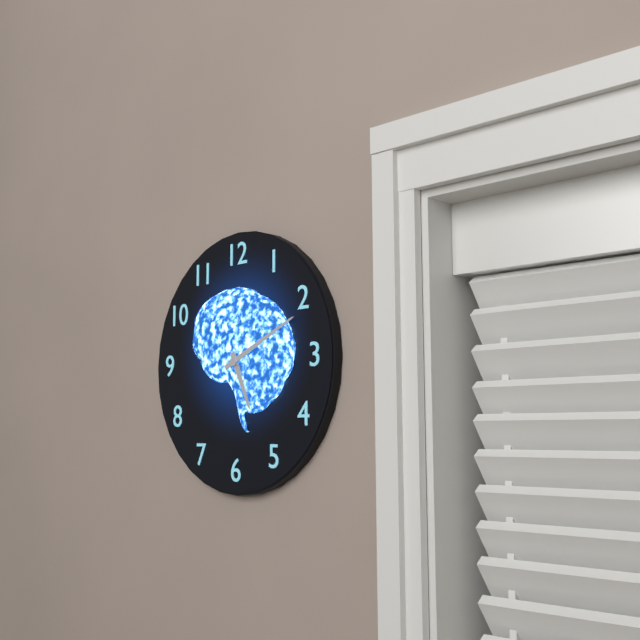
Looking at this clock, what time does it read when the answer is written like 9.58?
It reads 5.11
